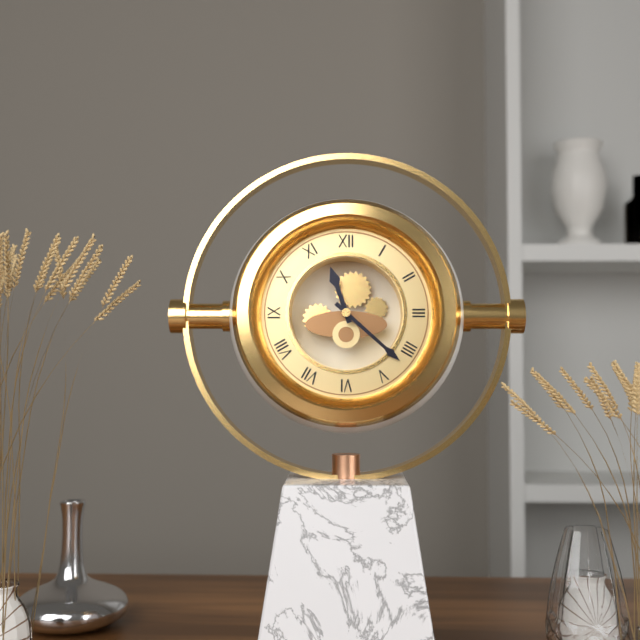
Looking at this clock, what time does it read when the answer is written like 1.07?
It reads 11.22
